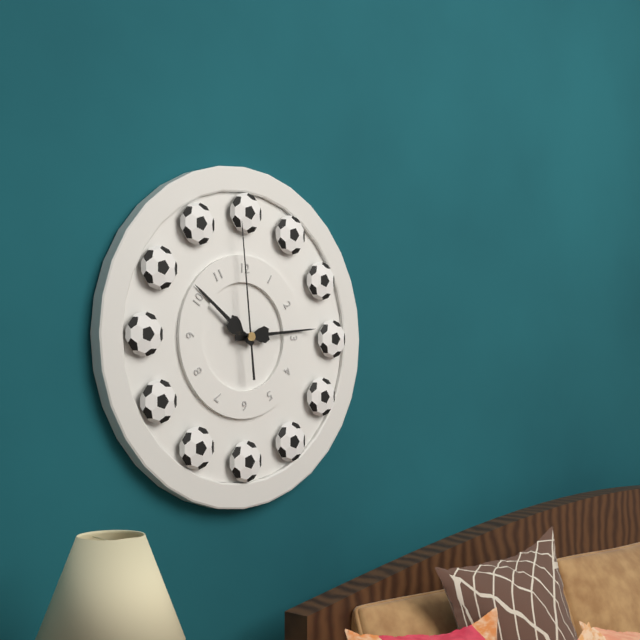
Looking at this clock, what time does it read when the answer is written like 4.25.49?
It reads 10.14.59
